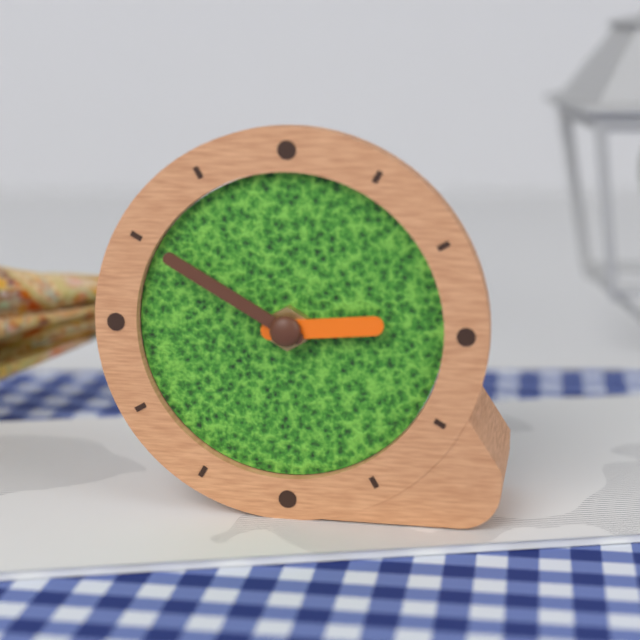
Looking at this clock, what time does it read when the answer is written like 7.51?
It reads 2.50
